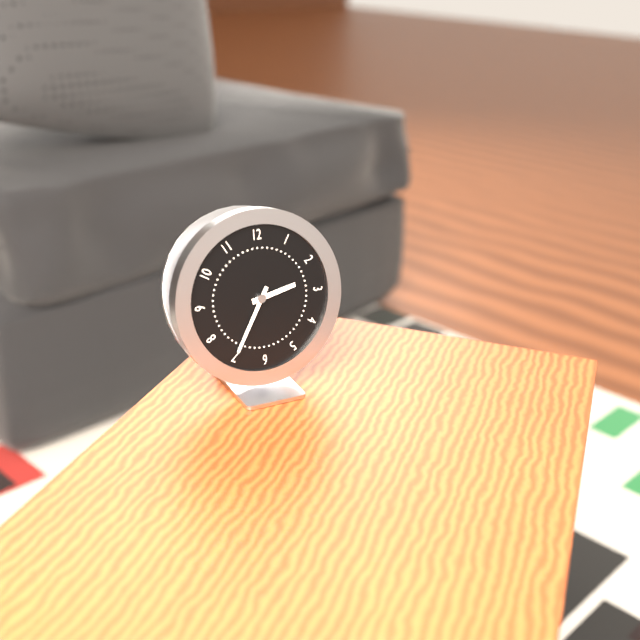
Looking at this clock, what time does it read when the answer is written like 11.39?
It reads 2.35
